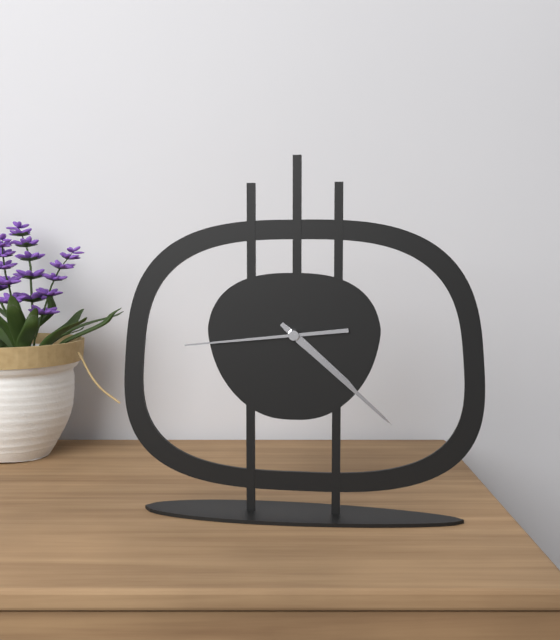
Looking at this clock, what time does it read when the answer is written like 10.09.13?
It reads 4.22.44
